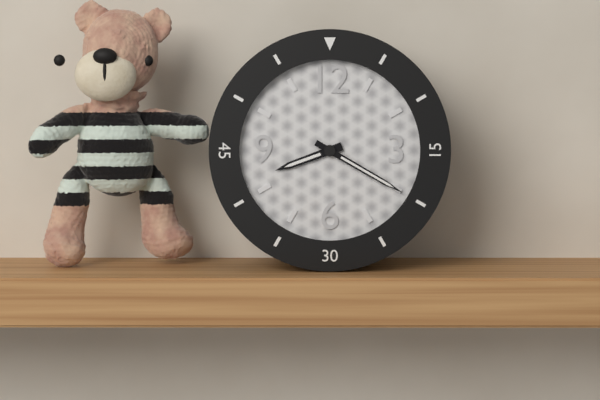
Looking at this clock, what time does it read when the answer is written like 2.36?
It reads 8.20
